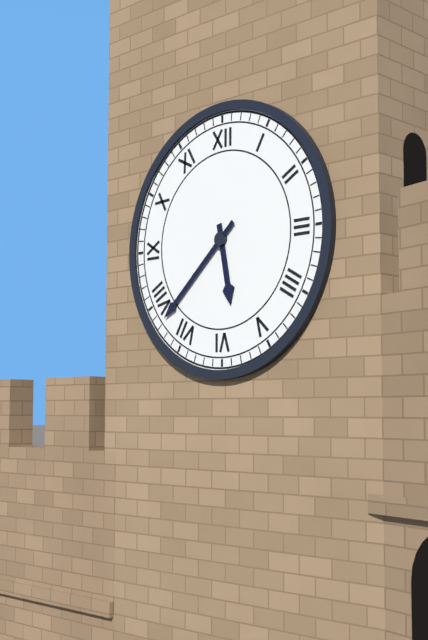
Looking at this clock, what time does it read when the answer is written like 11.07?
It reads 5.38
